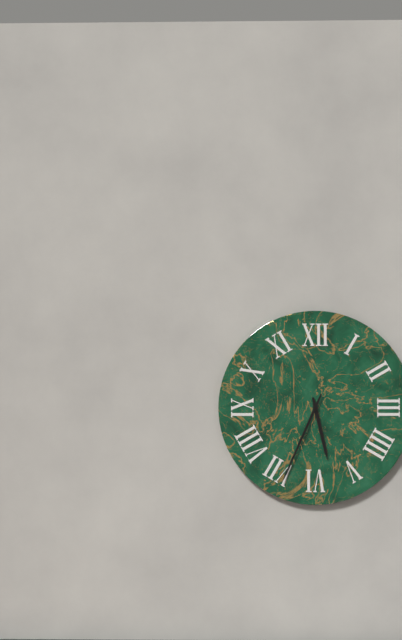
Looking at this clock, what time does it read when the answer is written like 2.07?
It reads 5.34
